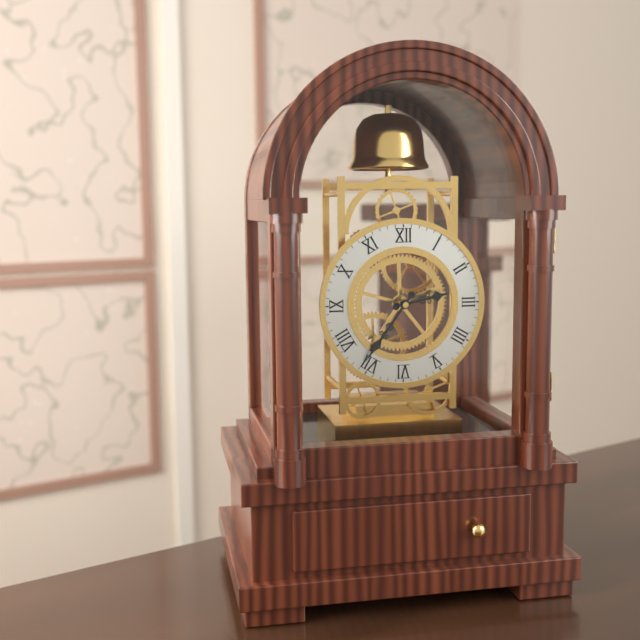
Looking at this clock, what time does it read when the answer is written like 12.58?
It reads 2.36
